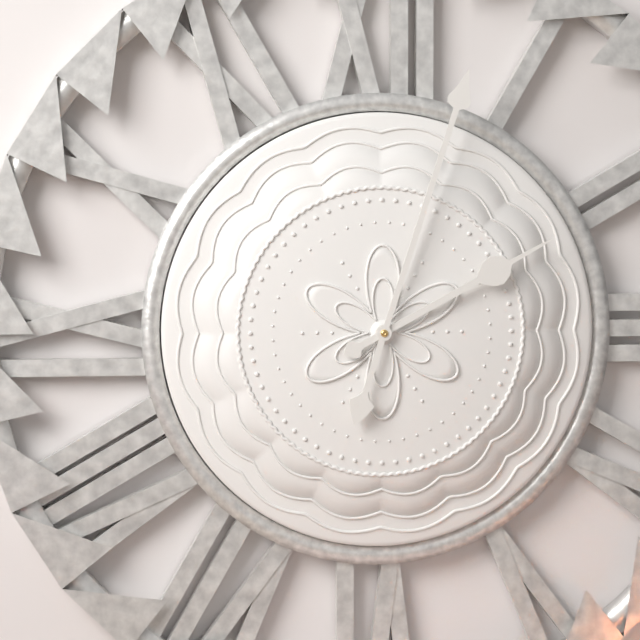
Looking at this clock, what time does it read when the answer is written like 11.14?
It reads 2.03
